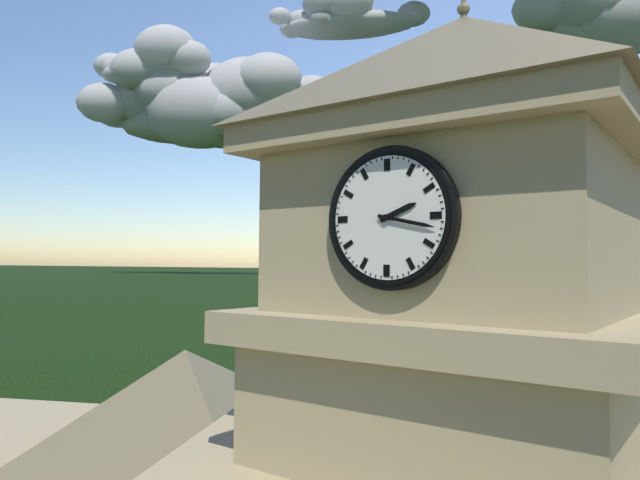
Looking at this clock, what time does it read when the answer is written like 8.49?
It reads 2.17
